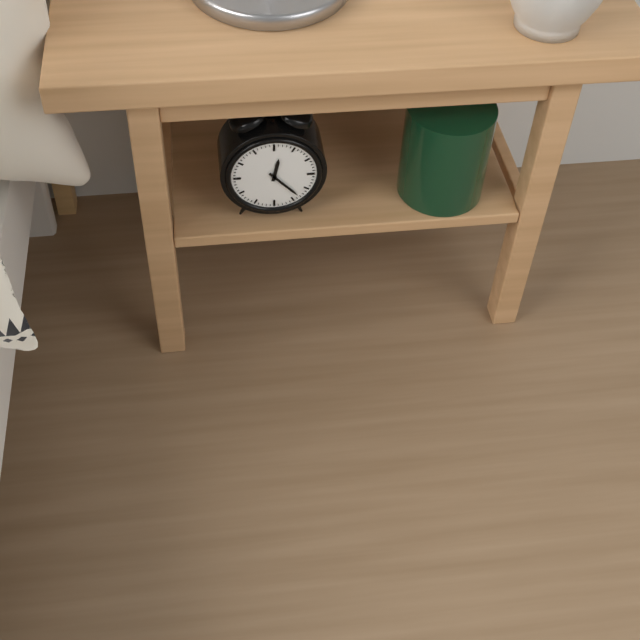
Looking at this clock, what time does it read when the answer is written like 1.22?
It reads 12.23
